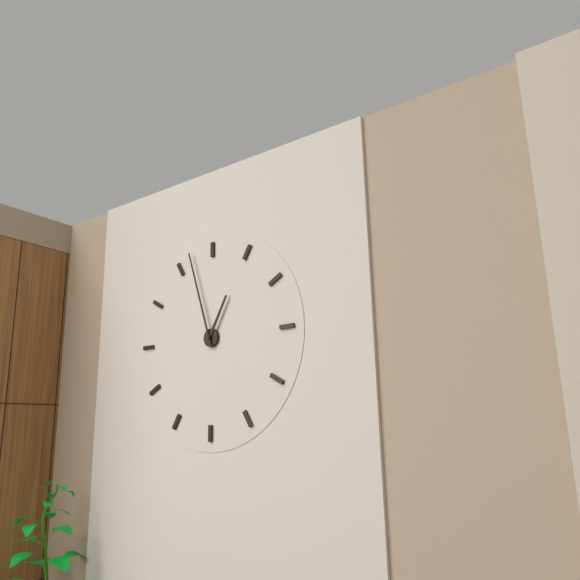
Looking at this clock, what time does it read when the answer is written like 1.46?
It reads 12.57
